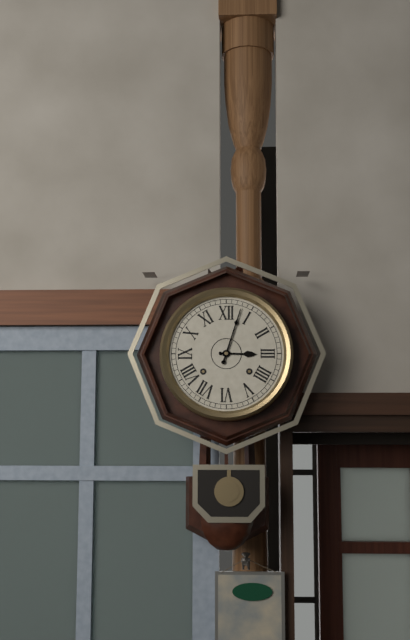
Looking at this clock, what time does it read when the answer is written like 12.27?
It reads 3.03
